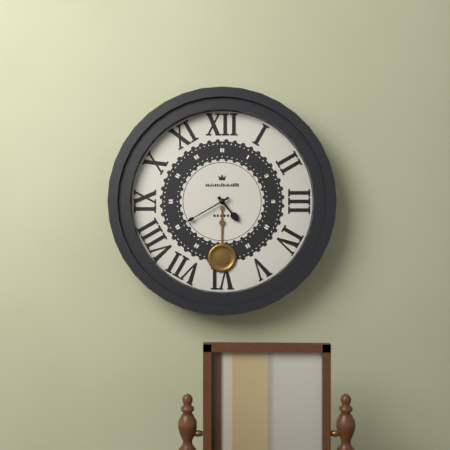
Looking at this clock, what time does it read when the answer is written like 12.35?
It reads 4.40
